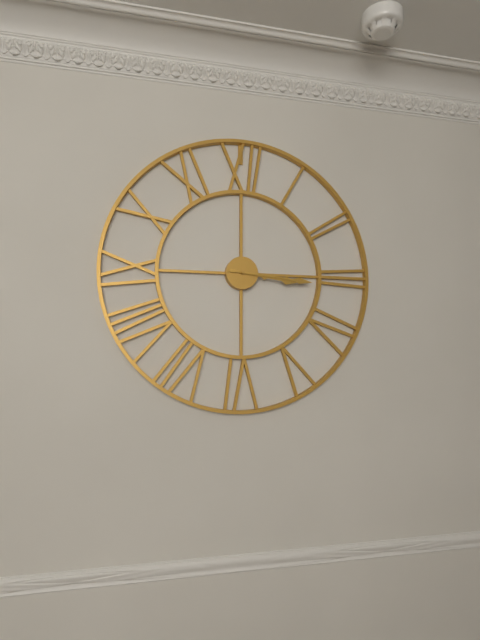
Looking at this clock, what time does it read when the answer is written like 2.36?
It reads 3.16
